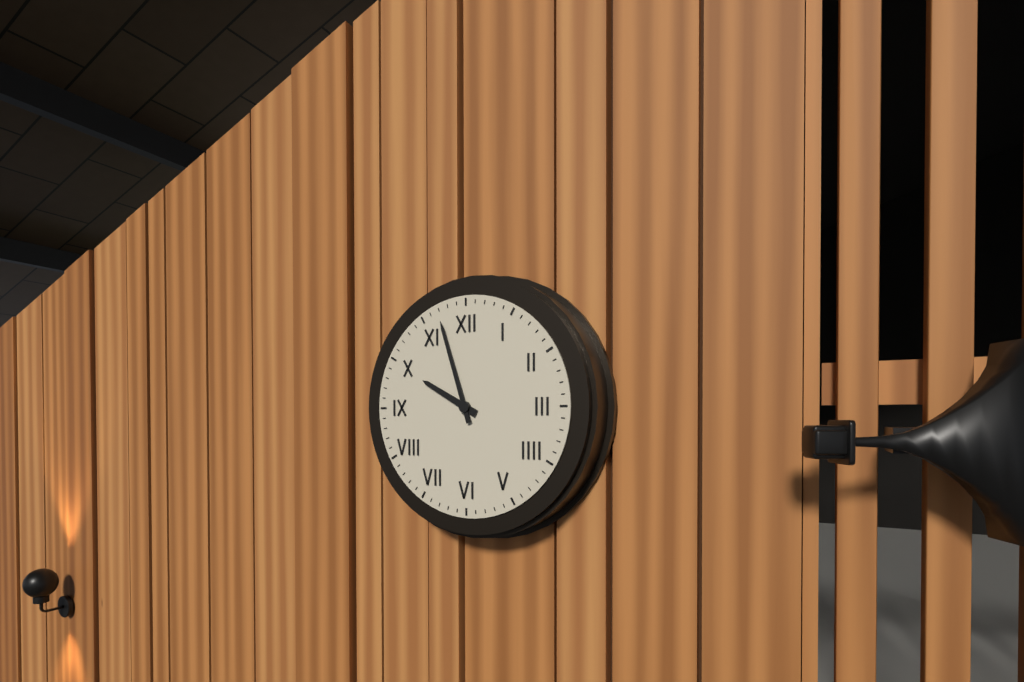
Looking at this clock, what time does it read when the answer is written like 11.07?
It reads 9.57
